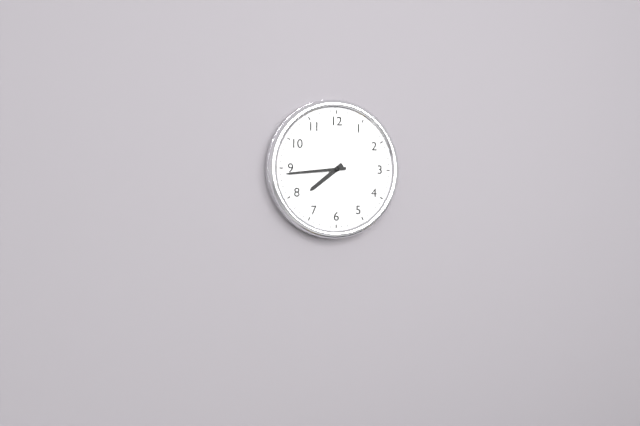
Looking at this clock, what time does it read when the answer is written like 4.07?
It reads 7.44
